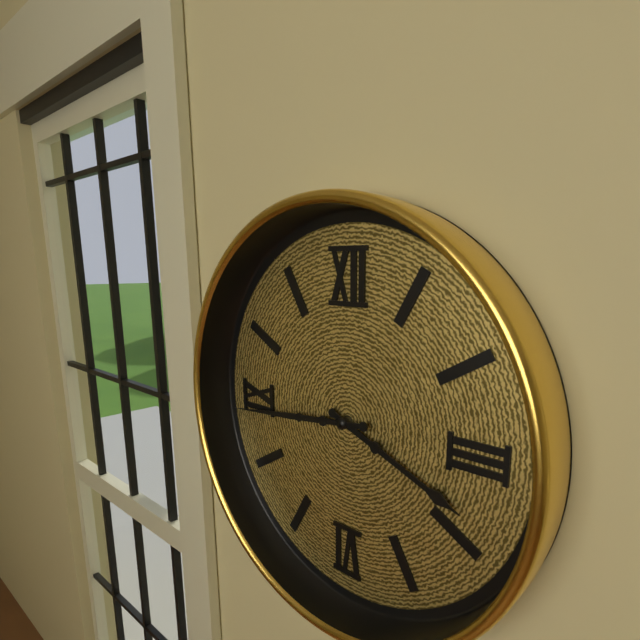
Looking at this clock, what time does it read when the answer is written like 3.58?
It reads 3.44
